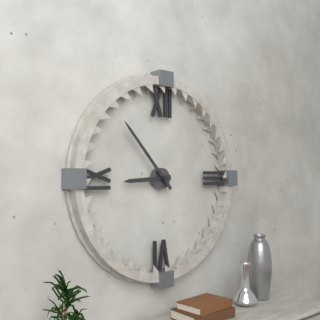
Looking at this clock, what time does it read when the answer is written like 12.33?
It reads 8.53
